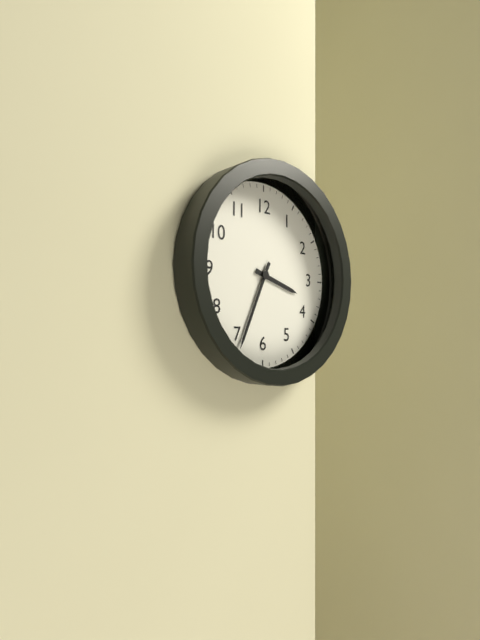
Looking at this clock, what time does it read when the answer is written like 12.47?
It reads 3.34
